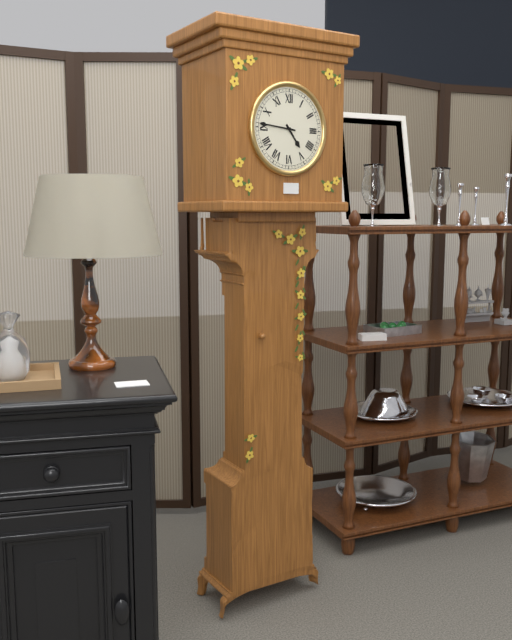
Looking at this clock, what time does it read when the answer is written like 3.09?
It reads 4.46
